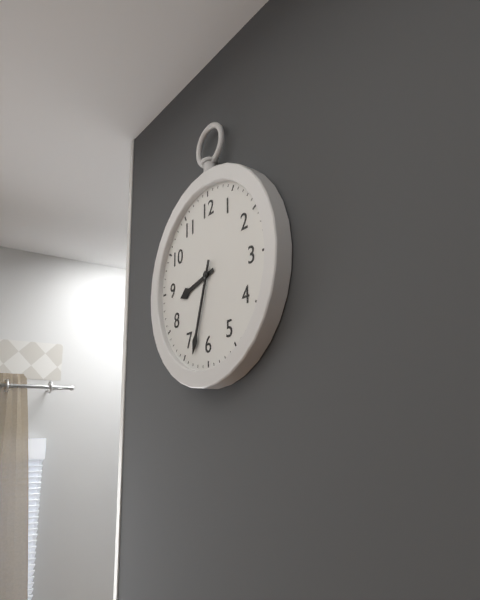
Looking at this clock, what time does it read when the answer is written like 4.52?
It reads 8.33
